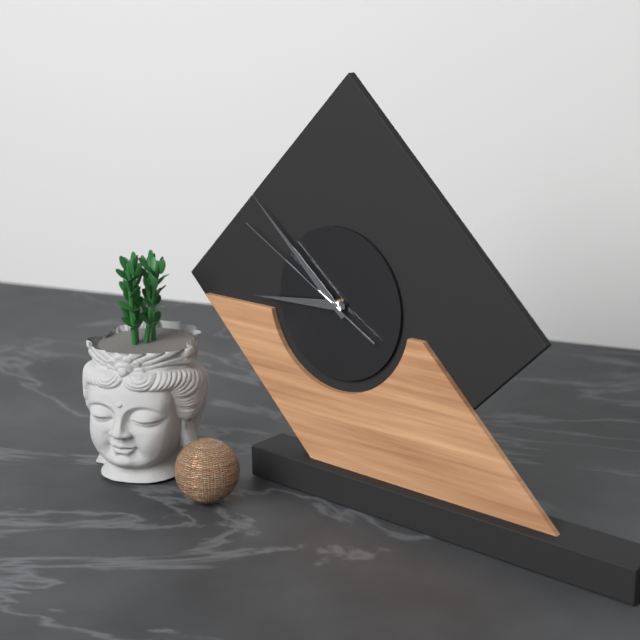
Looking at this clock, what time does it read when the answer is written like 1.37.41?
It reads 8.52.50
